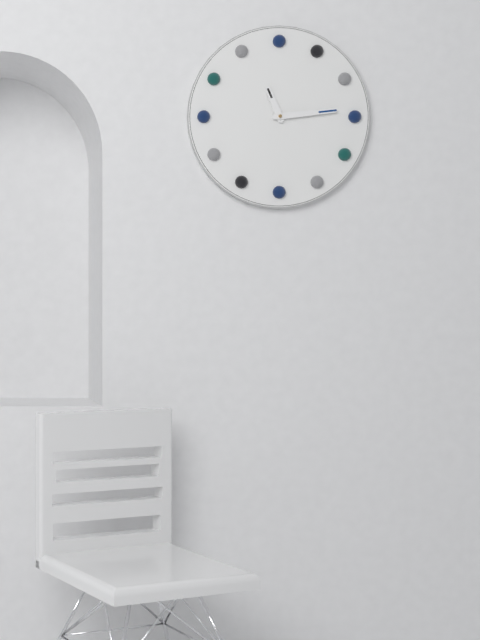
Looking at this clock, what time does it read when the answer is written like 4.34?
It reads 11.14
